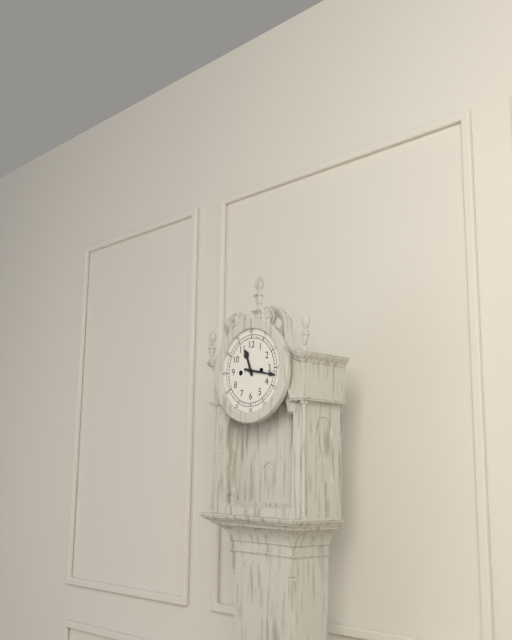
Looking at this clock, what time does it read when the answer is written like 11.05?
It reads 11.17
